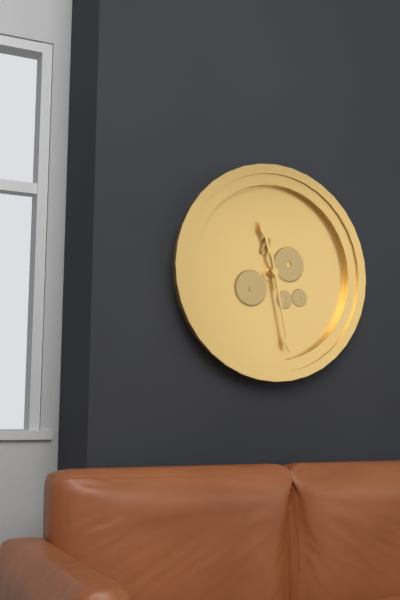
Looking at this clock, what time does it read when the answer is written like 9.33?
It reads 11.28
